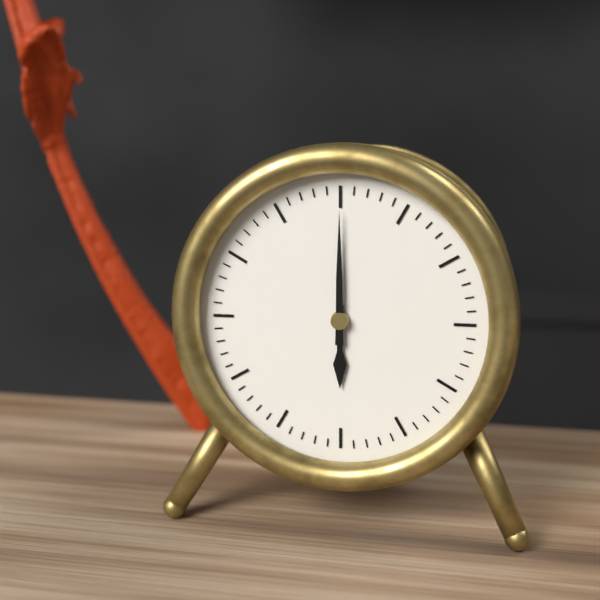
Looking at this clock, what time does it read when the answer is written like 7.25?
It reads 6.00
